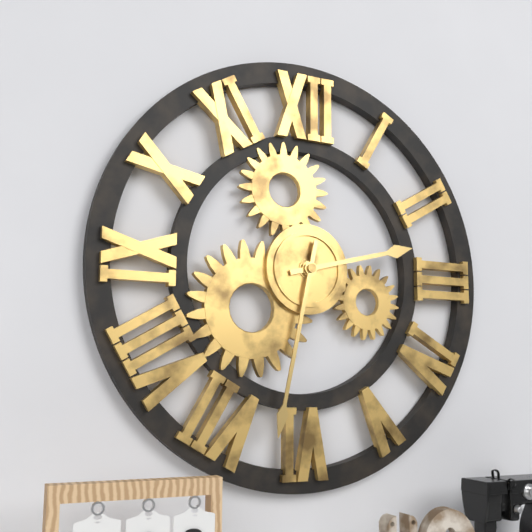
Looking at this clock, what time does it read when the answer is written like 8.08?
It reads 2.32
